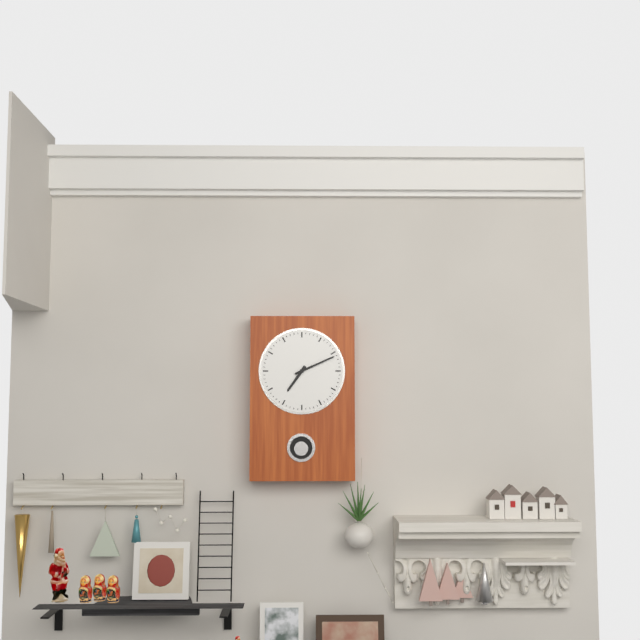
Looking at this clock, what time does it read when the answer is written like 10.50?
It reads 7.11
